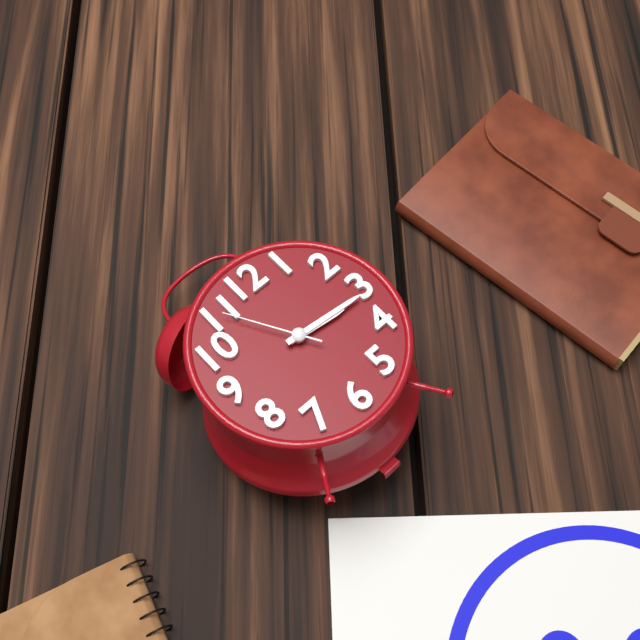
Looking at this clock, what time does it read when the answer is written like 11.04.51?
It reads 3.16.55
